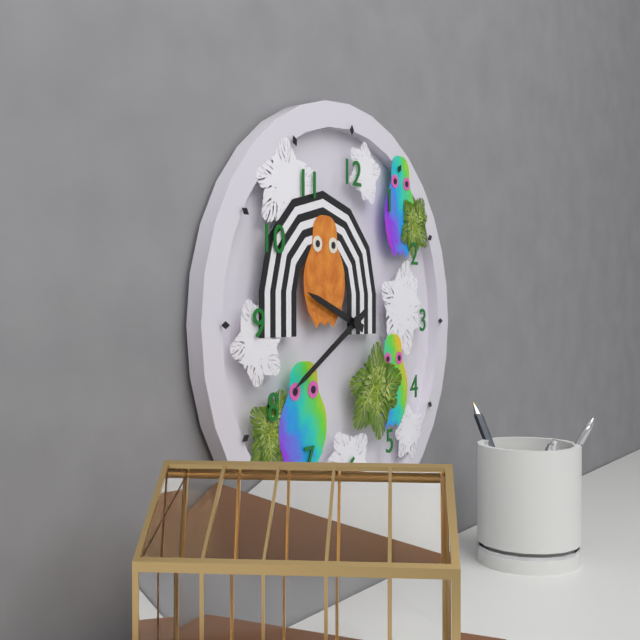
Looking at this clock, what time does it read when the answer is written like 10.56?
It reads 9.40
